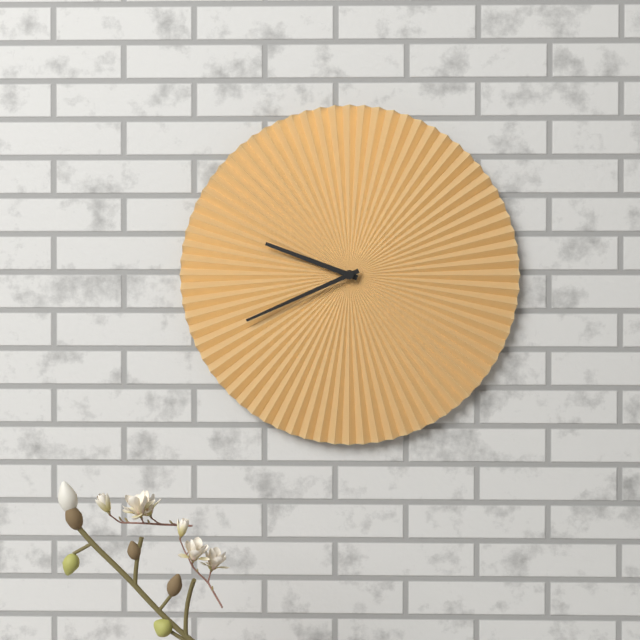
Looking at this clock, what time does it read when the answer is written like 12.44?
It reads 9.41
